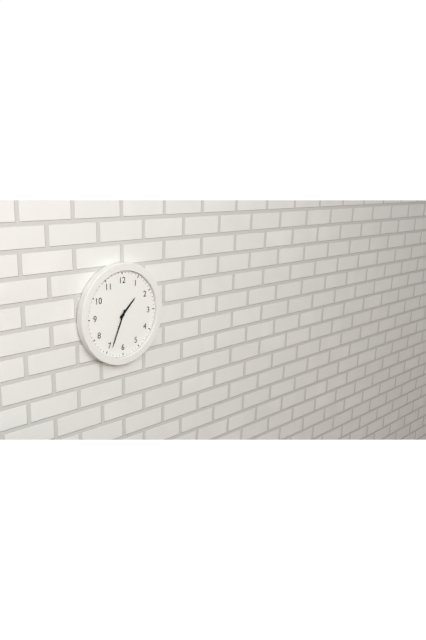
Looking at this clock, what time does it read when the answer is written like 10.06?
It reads 1.34
